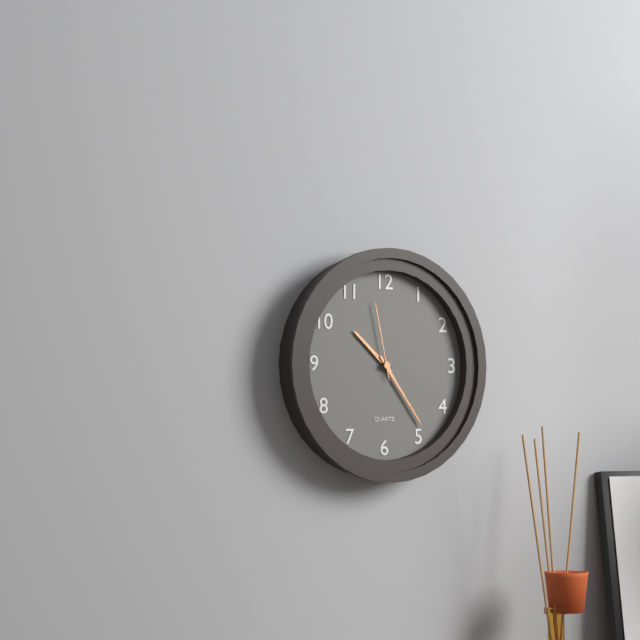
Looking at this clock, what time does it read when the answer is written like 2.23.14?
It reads 10.24.58
